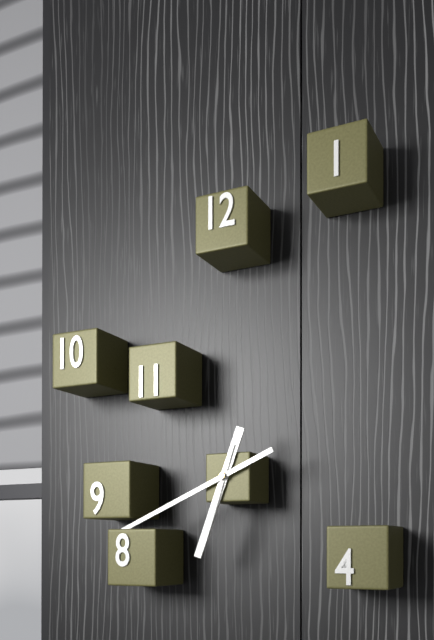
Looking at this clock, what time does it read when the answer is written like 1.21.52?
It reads 6.41.33
